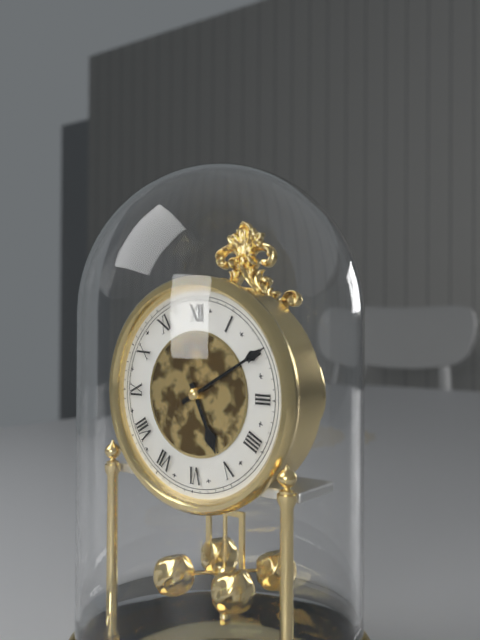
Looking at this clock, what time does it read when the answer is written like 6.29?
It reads 5.10
